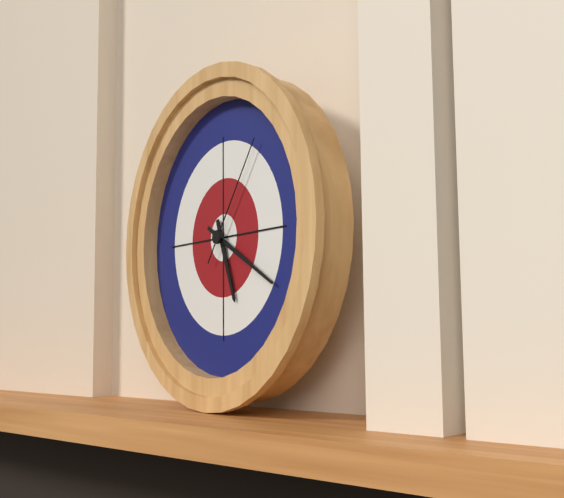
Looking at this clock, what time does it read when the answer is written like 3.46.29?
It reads 5.20.06
